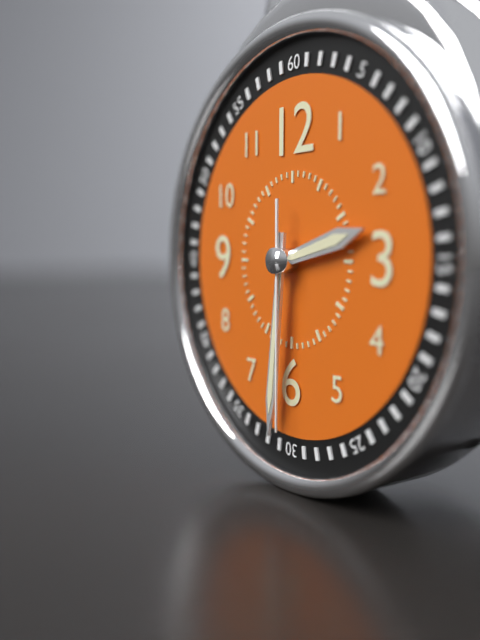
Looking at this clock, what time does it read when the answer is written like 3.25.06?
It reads 2.31.30
